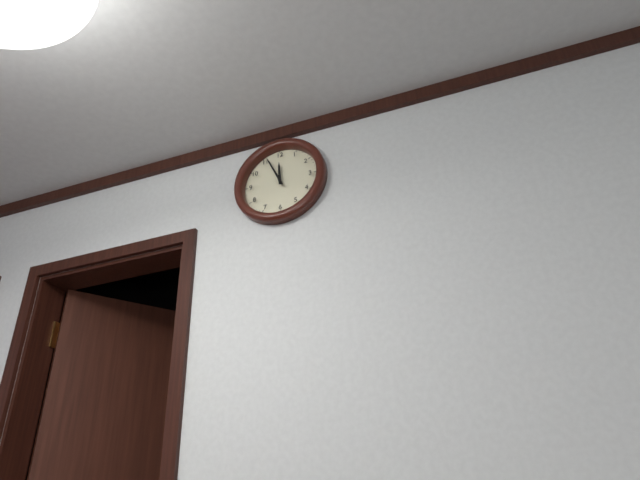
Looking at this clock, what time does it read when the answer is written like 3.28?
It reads 11.56
